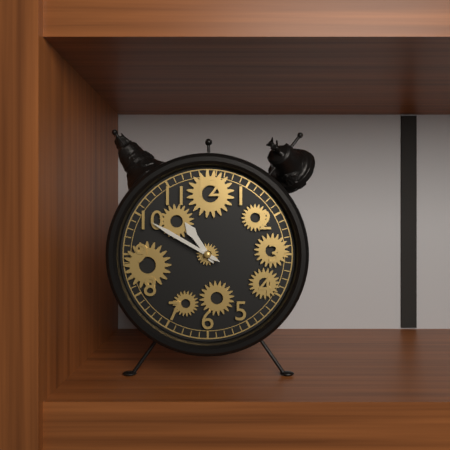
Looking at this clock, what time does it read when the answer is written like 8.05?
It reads 10.50
